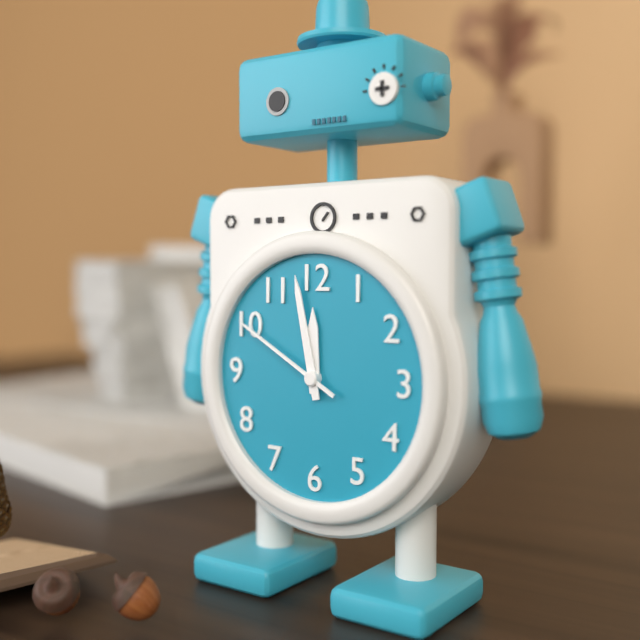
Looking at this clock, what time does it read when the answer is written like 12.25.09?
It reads 11.58.50
